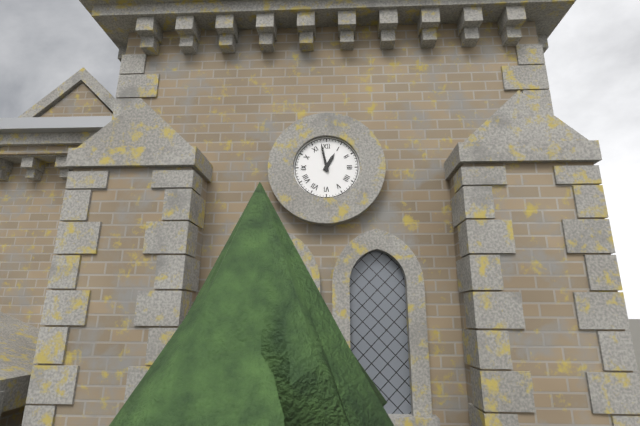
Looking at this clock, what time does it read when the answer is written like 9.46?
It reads 12.58
